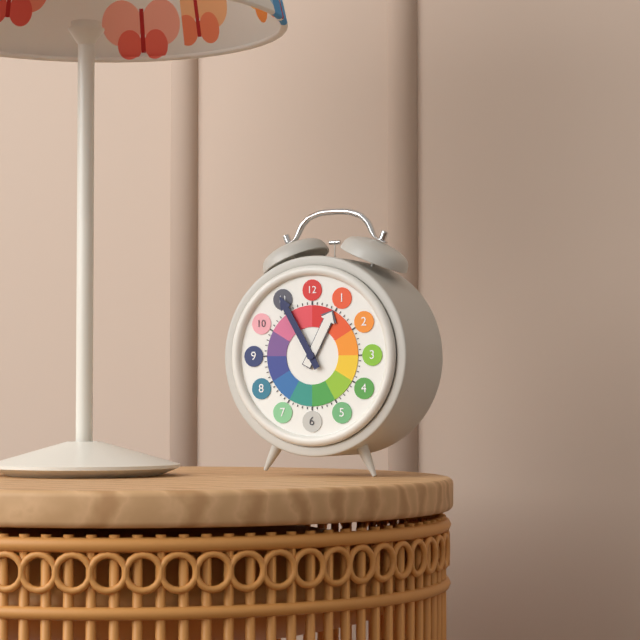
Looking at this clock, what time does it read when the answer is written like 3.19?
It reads 12.55
